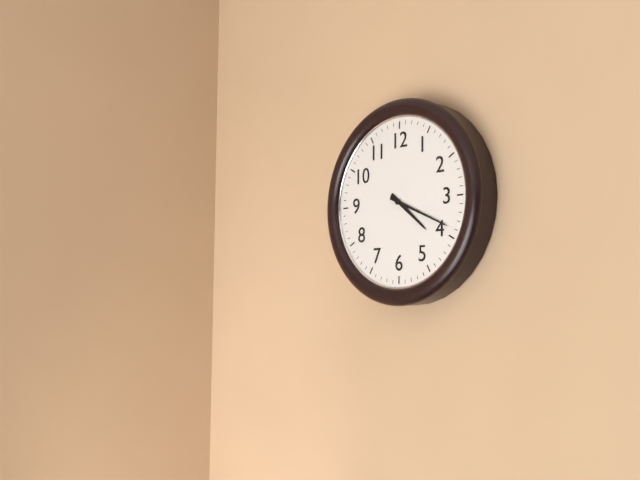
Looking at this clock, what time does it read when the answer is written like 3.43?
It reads 4.19
